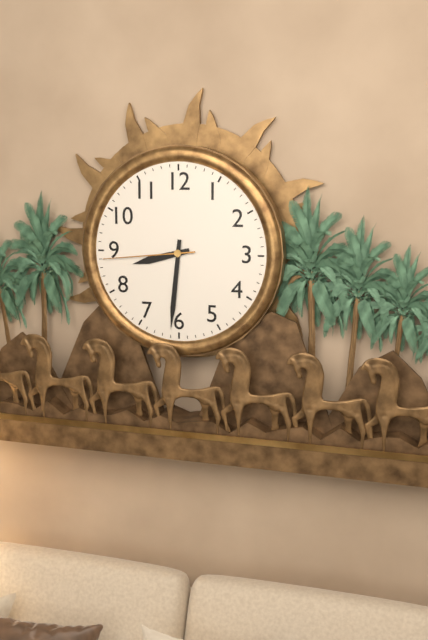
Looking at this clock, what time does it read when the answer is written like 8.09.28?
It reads 8.31.44
